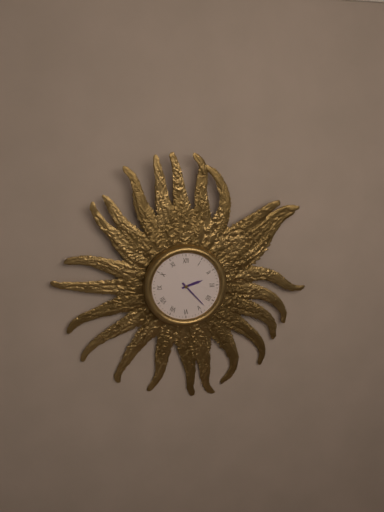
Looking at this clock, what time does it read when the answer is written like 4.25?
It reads 2.23
